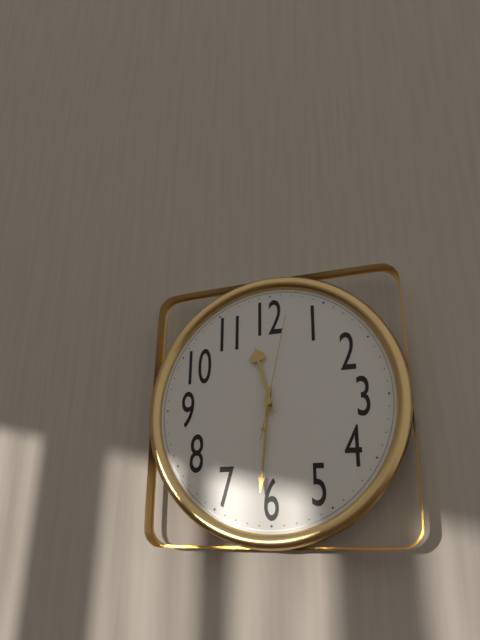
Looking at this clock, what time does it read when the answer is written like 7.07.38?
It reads 11.31.02
